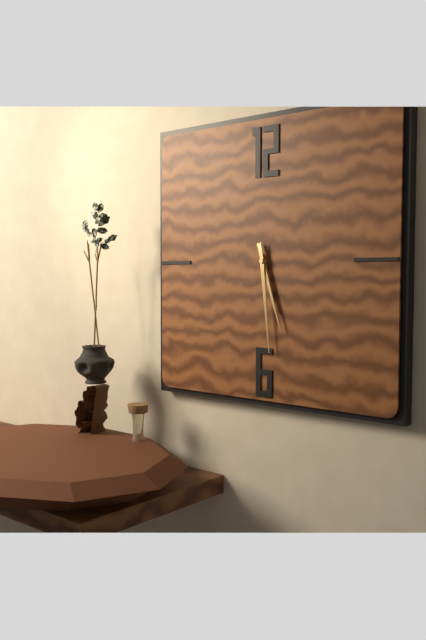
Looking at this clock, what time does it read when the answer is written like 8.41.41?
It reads 5.27.29
